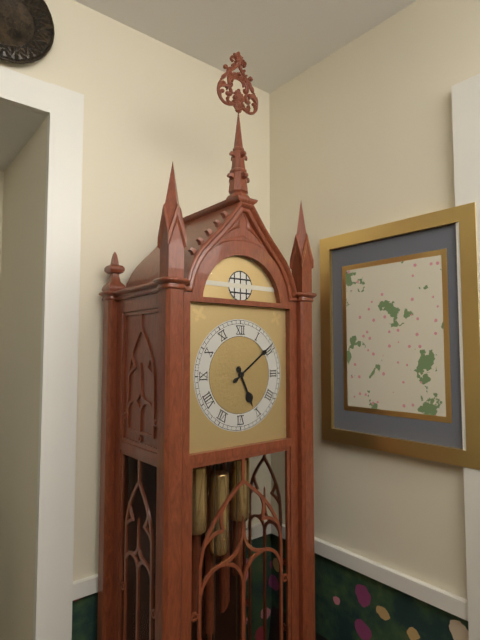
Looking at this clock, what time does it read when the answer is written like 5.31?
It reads 5.09
